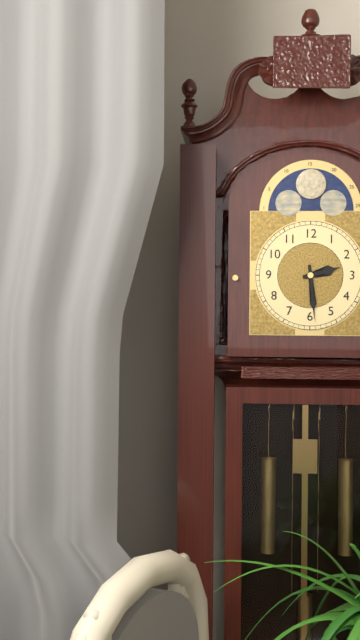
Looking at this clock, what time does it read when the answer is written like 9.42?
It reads 2.29
